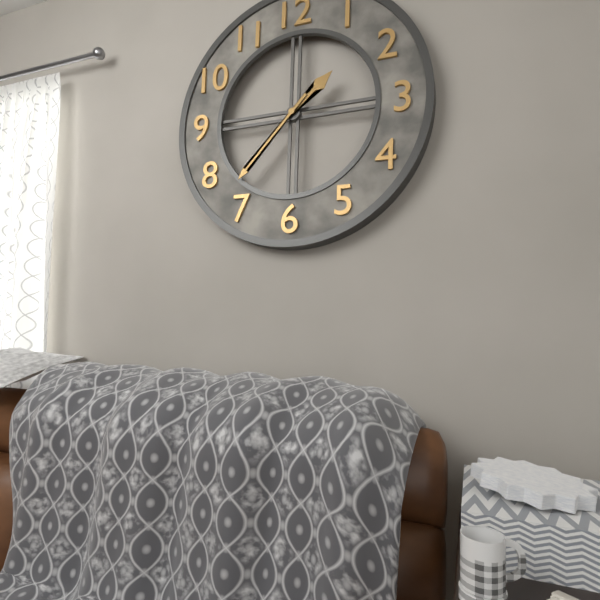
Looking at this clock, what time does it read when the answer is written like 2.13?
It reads 1.37
